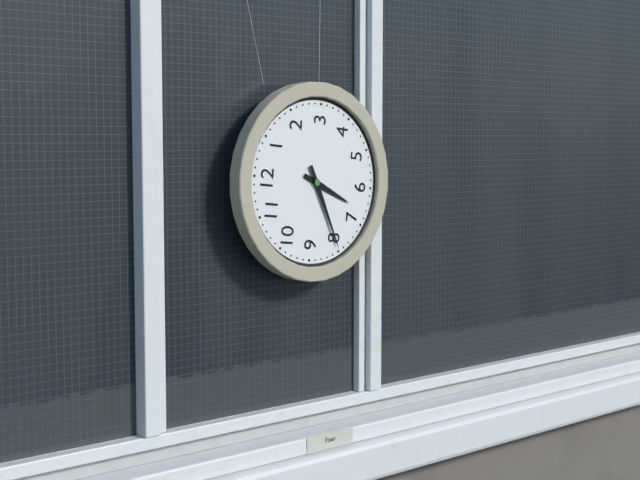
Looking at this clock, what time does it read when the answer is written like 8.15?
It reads 6.40
